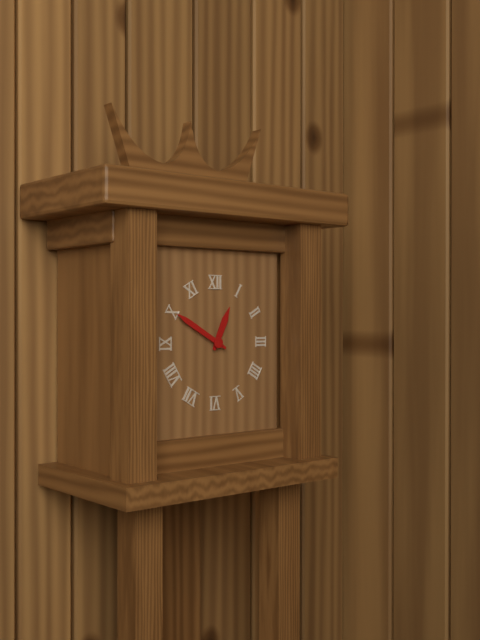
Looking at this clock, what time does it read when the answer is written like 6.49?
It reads 12.50
